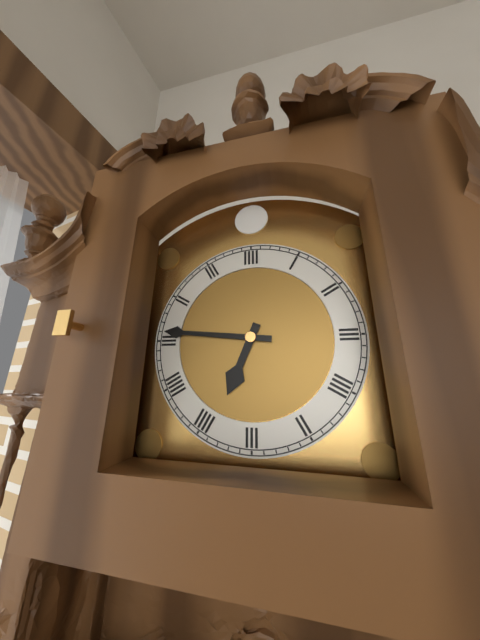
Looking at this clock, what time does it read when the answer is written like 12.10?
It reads 6.46
